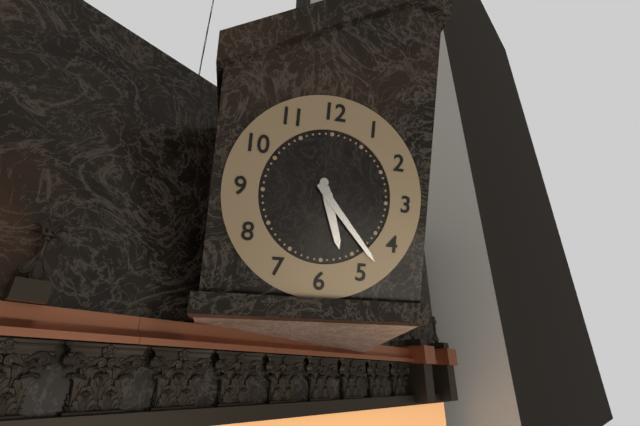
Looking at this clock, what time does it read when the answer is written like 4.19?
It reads 5.23
